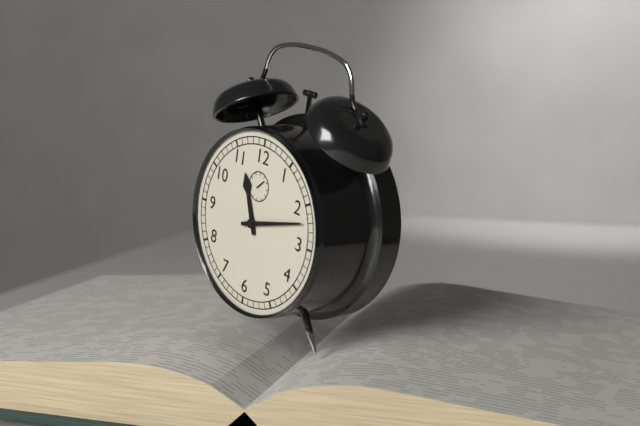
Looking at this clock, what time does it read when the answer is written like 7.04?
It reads 11.12
